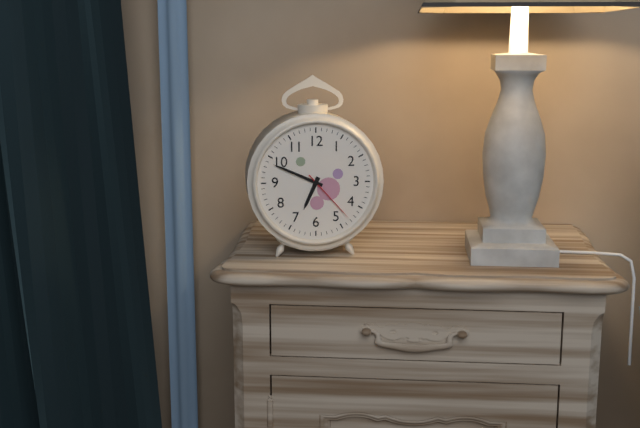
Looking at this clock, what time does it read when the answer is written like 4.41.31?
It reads 6.49.23
